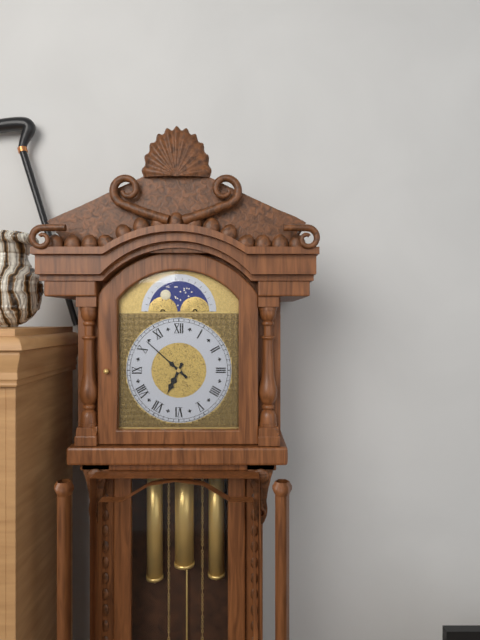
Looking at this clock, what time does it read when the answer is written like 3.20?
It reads 6.52
